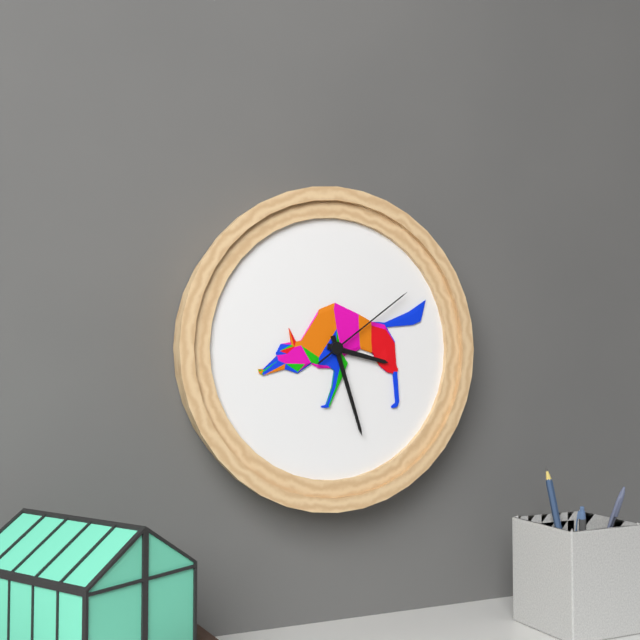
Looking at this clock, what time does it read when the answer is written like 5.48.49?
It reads 3.27.09
